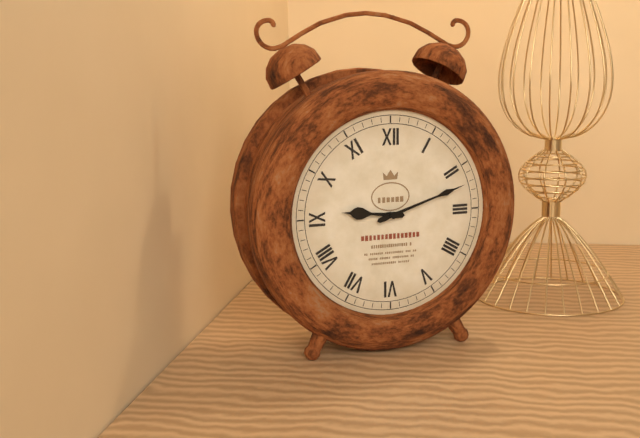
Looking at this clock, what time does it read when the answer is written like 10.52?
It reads 9.12
